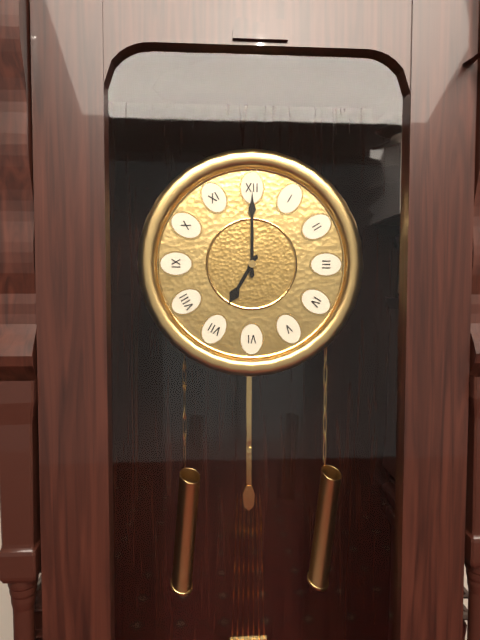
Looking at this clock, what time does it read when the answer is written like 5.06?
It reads 7.00
